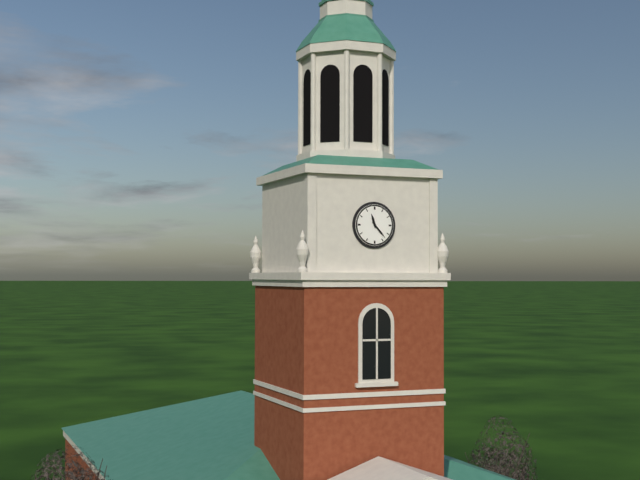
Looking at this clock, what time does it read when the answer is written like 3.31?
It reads 11.23
